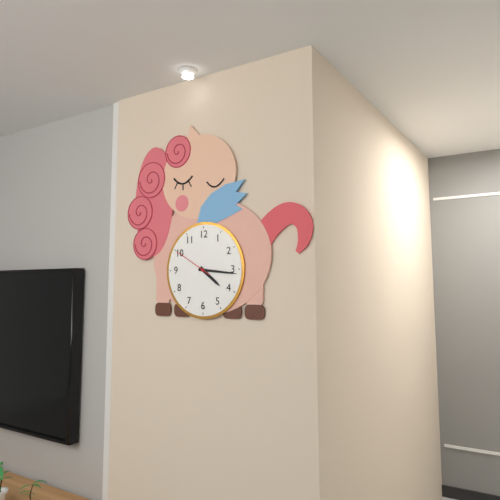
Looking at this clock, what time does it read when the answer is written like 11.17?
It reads 4.16
